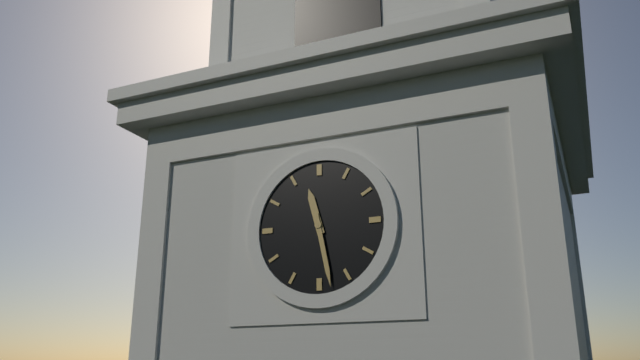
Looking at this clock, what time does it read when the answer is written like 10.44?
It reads 11.28
